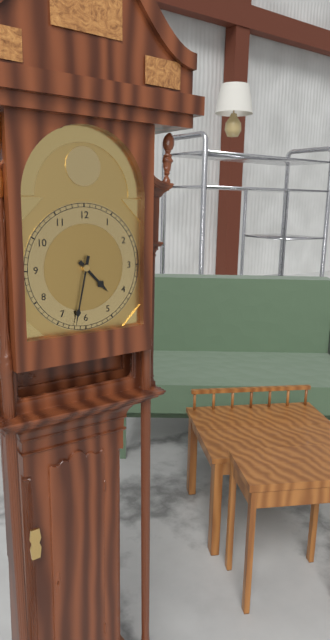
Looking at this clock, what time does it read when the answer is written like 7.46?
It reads 4.32
